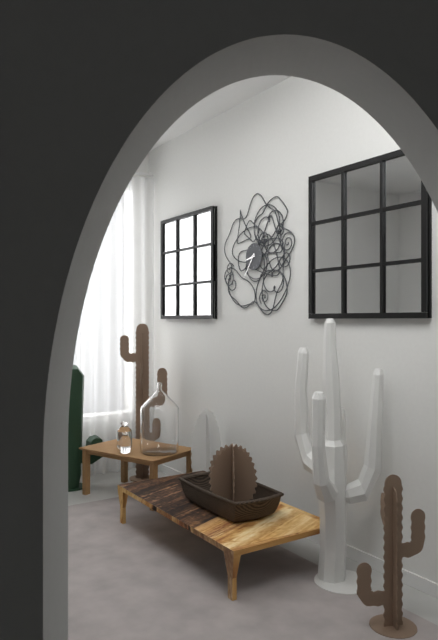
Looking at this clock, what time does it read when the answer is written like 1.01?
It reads 8.36
